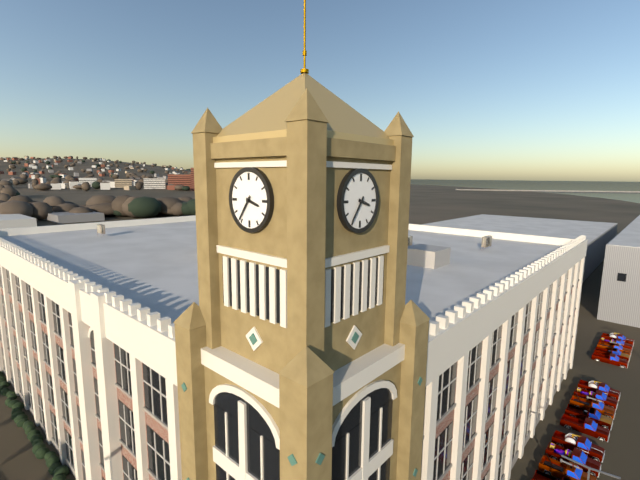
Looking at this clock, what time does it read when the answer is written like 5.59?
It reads 3.36
